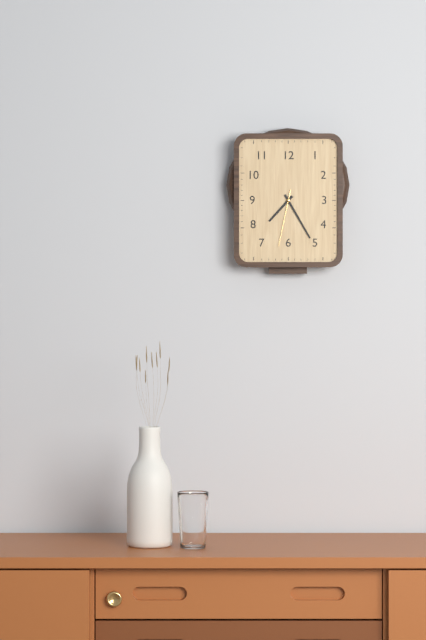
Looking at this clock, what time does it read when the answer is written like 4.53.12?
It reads 7.25.32
